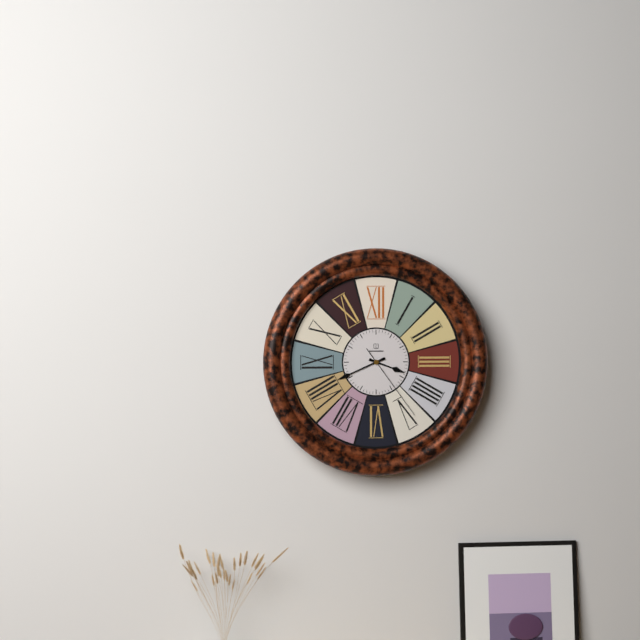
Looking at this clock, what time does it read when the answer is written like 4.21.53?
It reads 3.41.24
